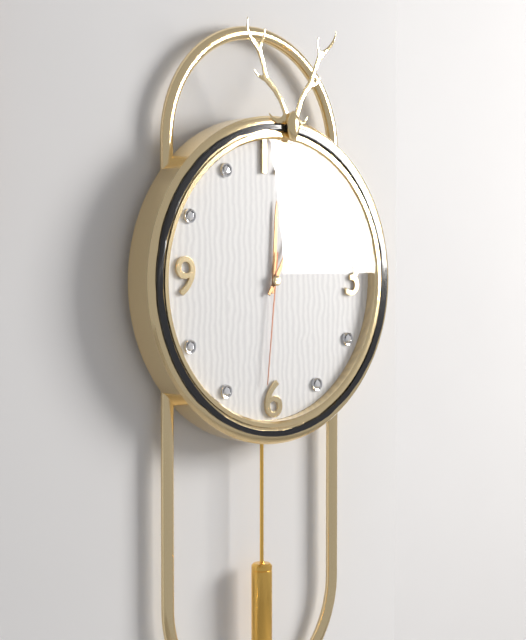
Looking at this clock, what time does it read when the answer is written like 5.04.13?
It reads 12.05.31
